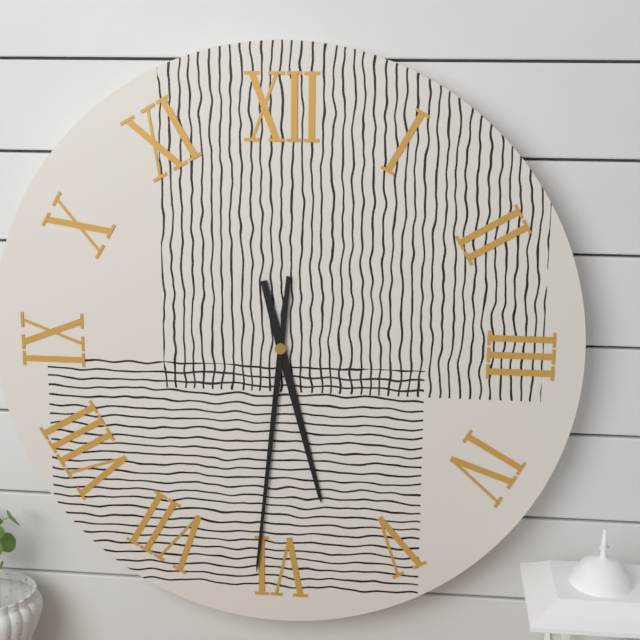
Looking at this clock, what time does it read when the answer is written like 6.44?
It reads 5.31
